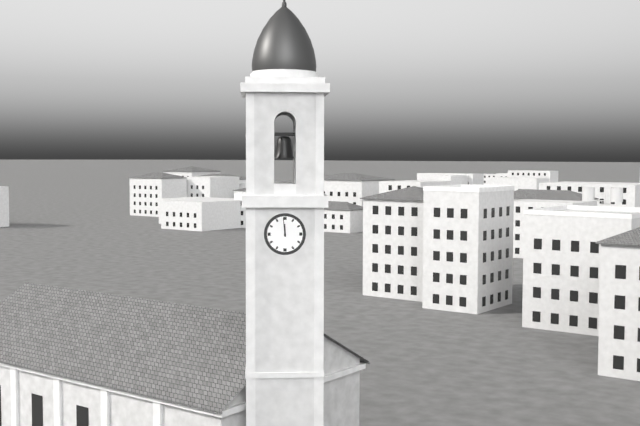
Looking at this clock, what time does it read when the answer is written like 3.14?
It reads 11.59
